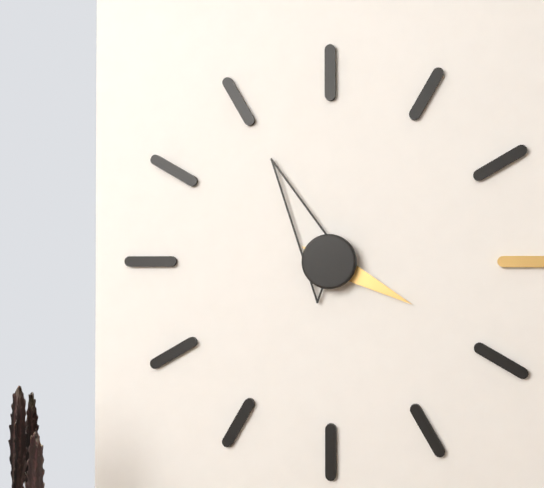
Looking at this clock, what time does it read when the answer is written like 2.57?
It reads 3.55
